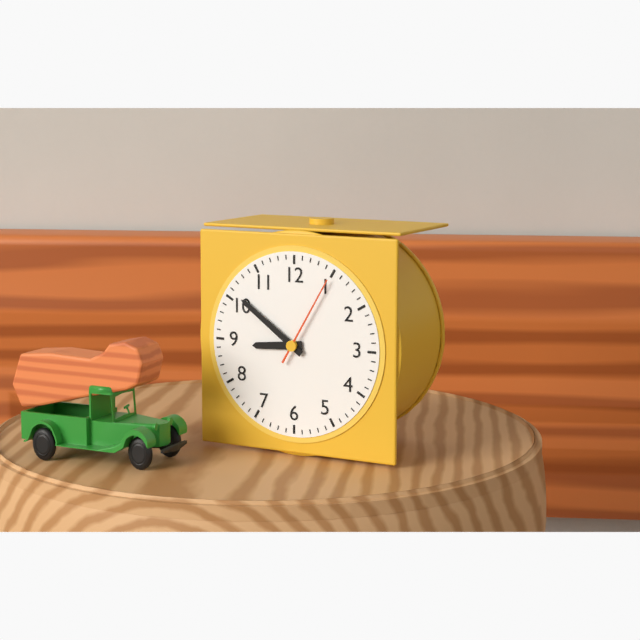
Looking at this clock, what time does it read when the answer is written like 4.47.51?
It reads 8.51.05
